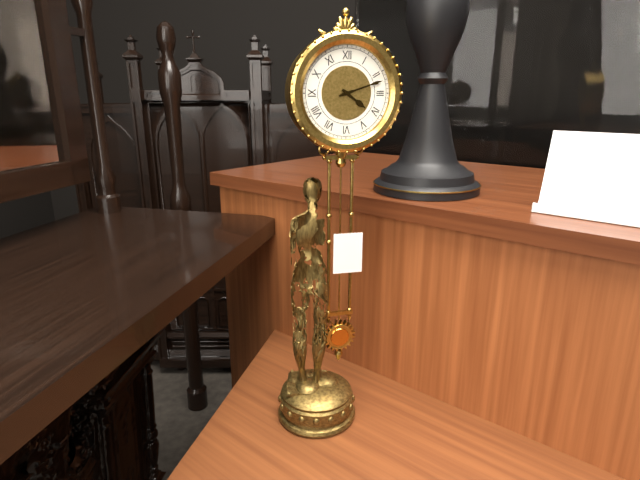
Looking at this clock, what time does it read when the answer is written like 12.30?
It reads 4.12
